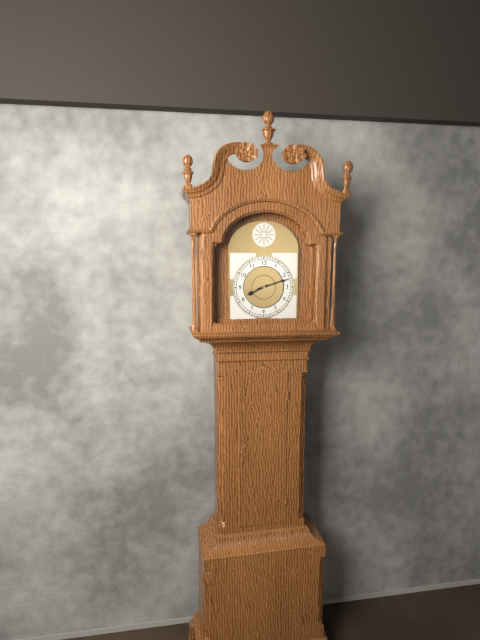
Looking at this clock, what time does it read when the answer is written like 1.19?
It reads 8.12
